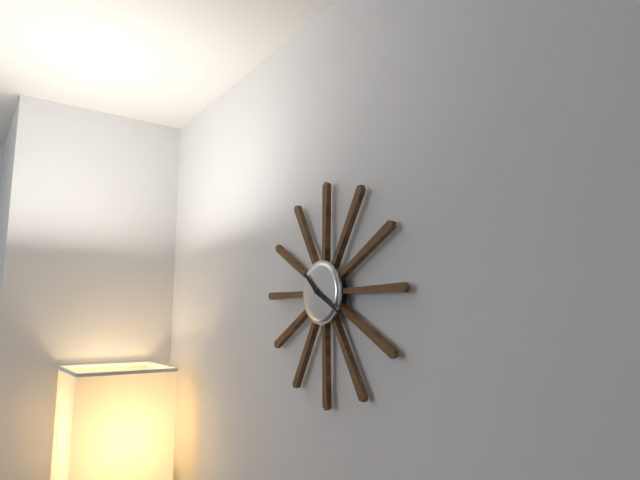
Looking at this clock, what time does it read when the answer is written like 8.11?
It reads 10.20
